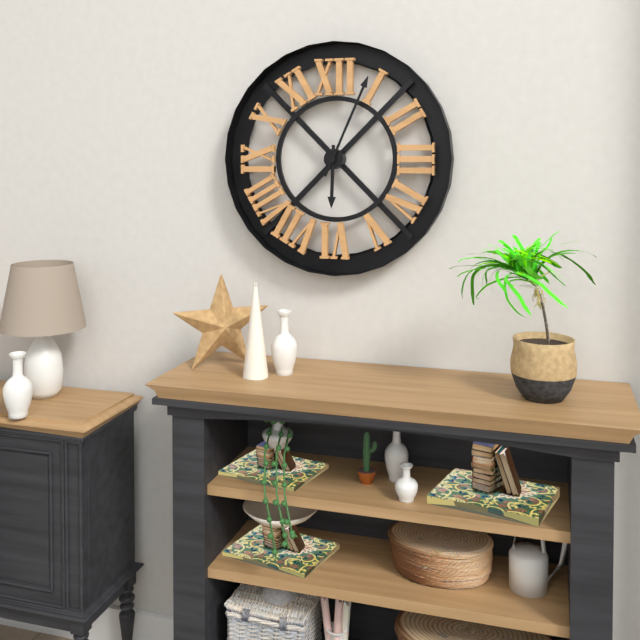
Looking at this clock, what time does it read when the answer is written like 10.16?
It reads 6.04
